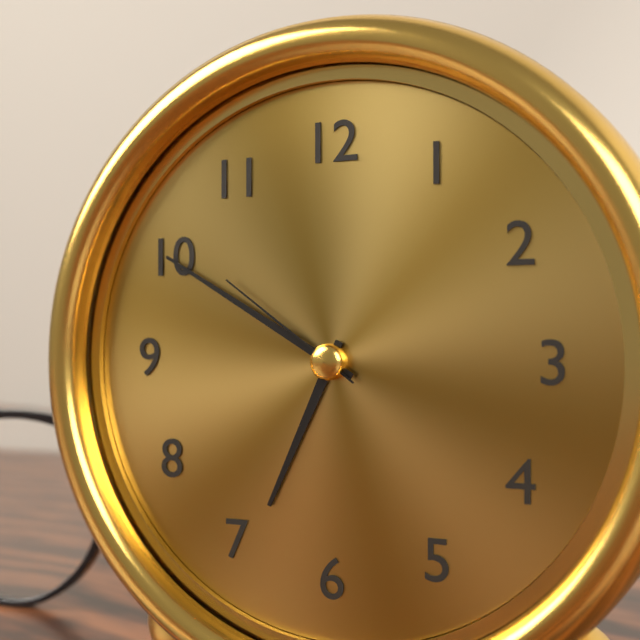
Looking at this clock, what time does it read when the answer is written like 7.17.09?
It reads 6.50.51
